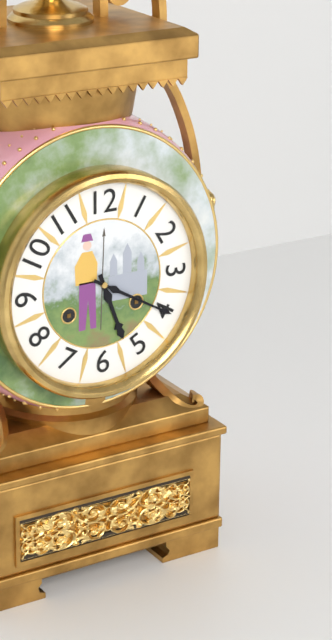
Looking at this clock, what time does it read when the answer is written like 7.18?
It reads 5.20
